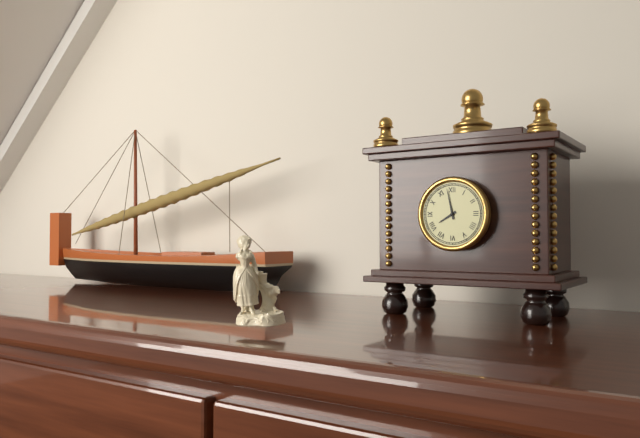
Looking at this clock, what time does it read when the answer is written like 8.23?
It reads 7.58
